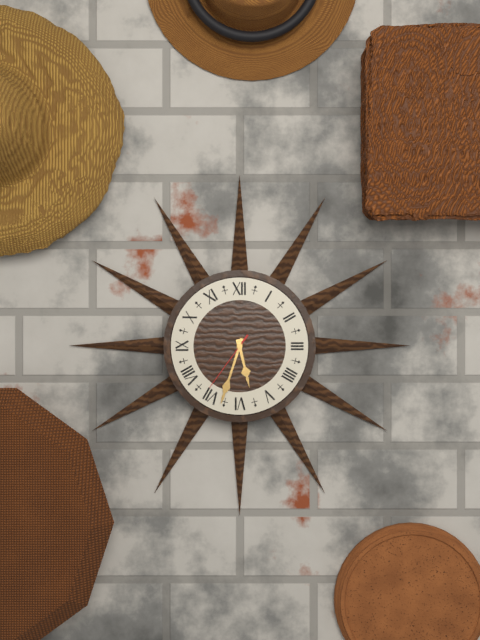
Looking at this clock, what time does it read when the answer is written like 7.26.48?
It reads 5.33.36
